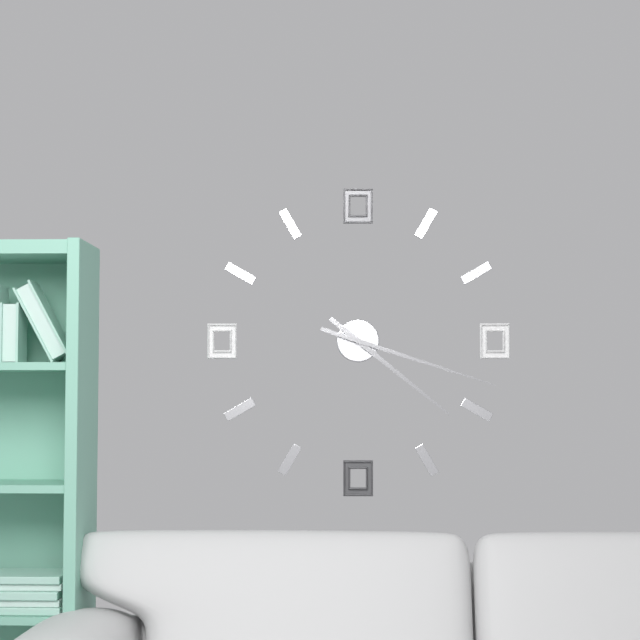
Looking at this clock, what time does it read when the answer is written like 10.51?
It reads 4.18
